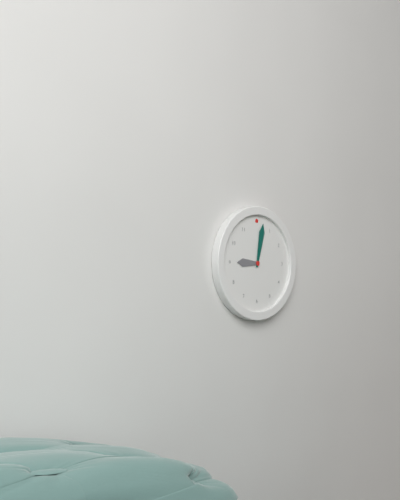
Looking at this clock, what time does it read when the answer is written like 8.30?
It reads 9.02
